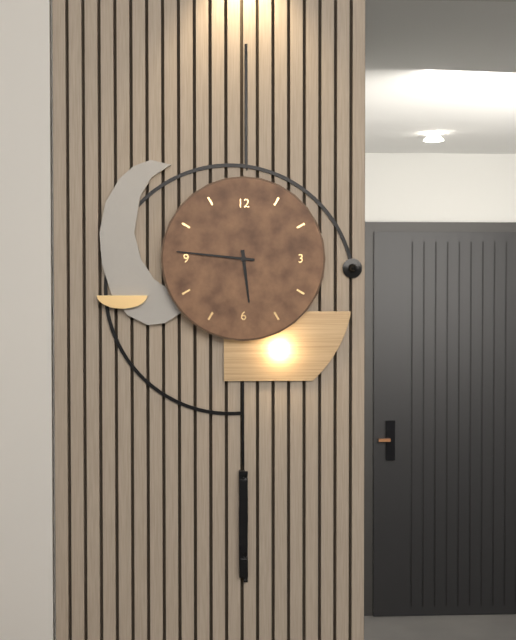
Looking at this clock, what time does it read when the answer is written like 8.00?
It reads 5.46
